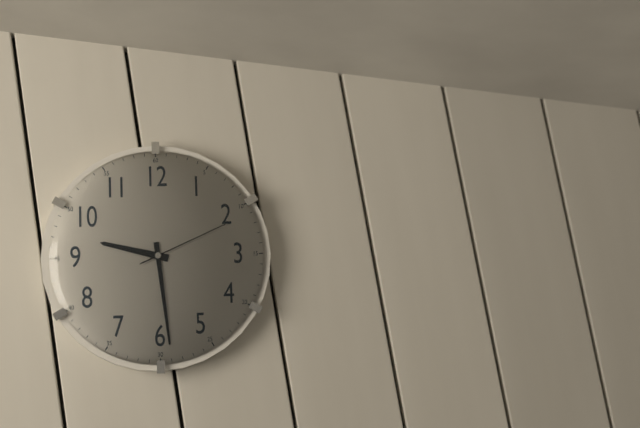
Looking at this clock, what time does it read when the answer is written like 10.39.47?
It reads 9.29.11
